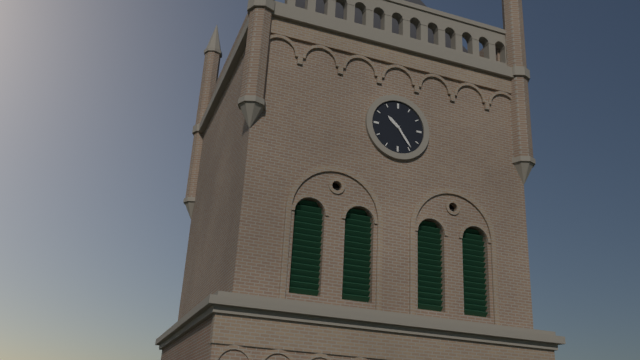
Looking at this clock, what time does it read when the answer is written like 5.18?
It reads 10.24
